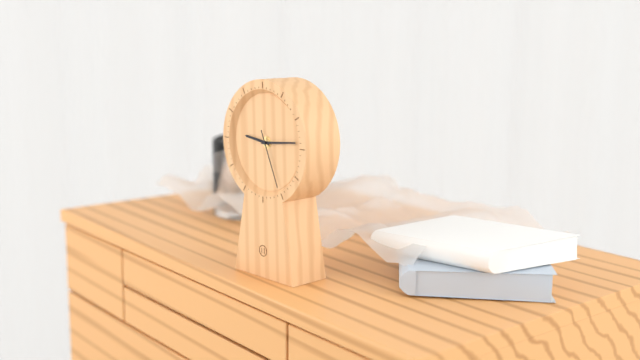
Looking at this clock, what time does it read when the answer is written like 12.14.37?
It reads 9.14.26
